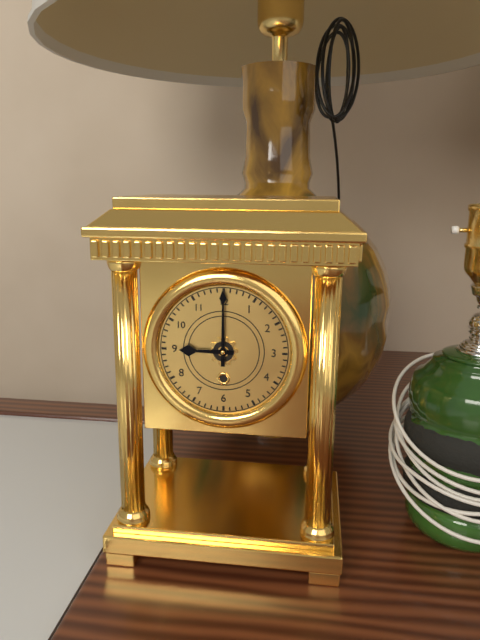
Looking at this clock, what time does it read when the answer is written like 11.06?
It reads 9.00
